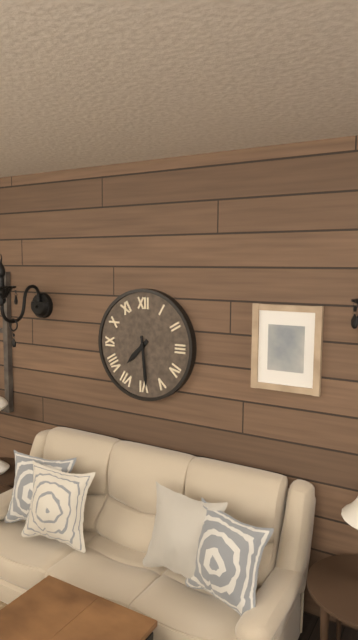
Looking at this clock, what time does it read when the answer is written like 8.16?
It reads 7.29
